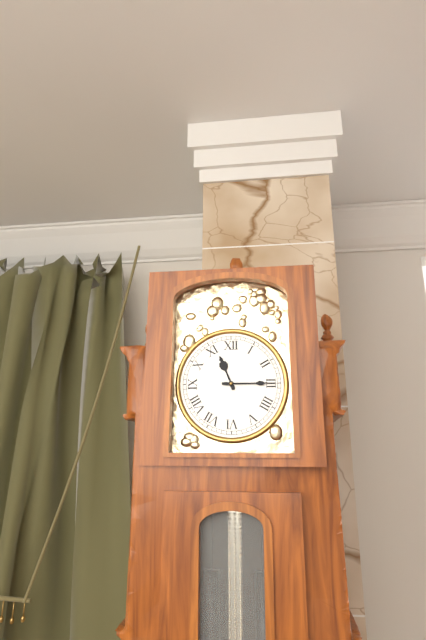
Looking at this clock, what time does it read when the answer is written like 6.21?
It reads 11.15
